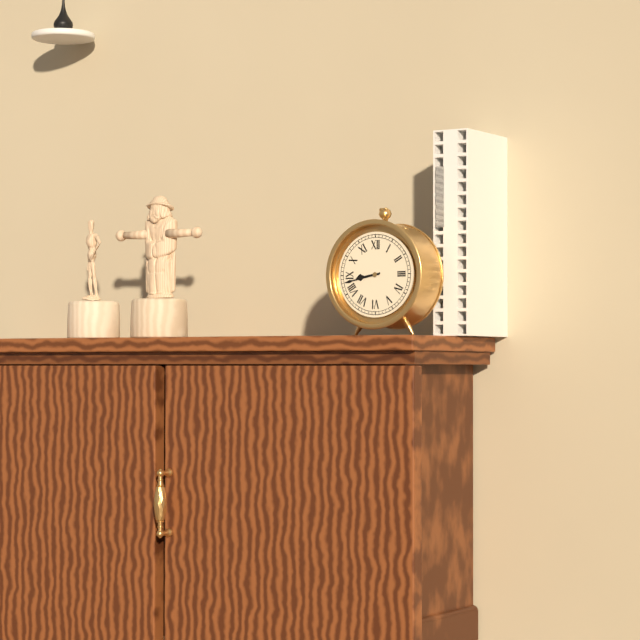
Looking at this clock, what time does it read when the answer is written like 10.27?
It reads 8.43
